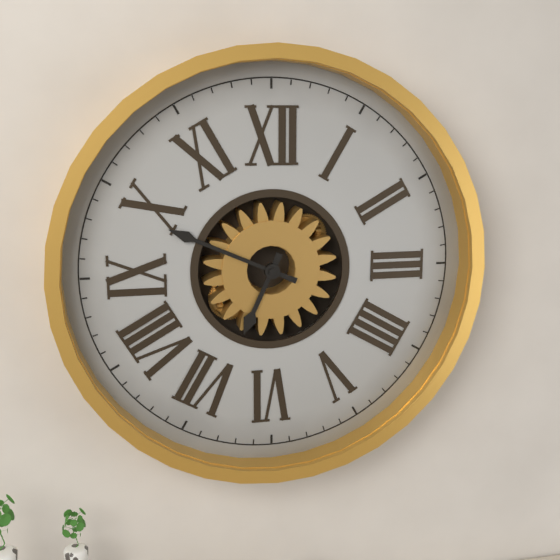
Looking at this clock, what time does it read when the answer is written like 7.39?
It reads 6.49
